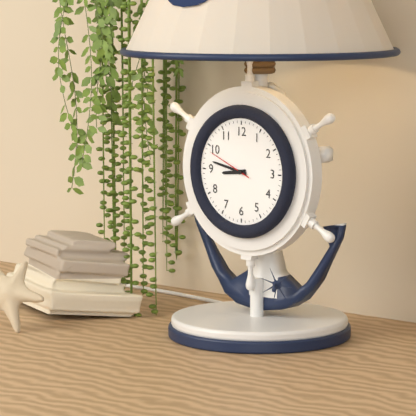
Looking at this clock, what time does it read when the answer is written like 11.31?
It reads 8.47
